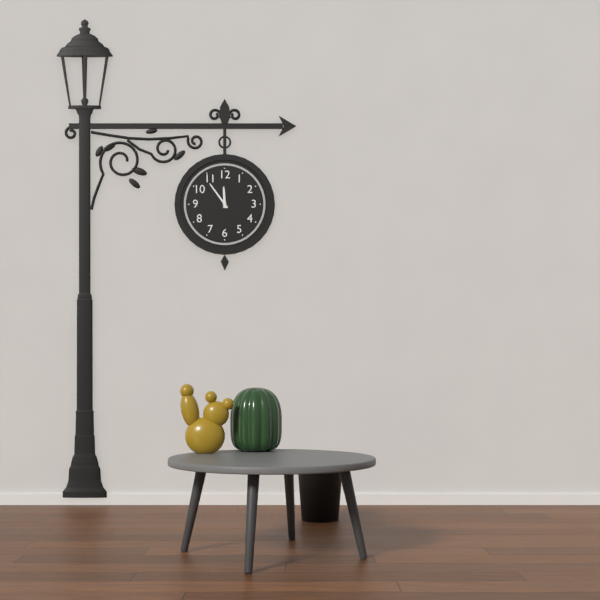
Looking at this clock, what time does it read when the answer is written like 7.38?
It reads 11.54
